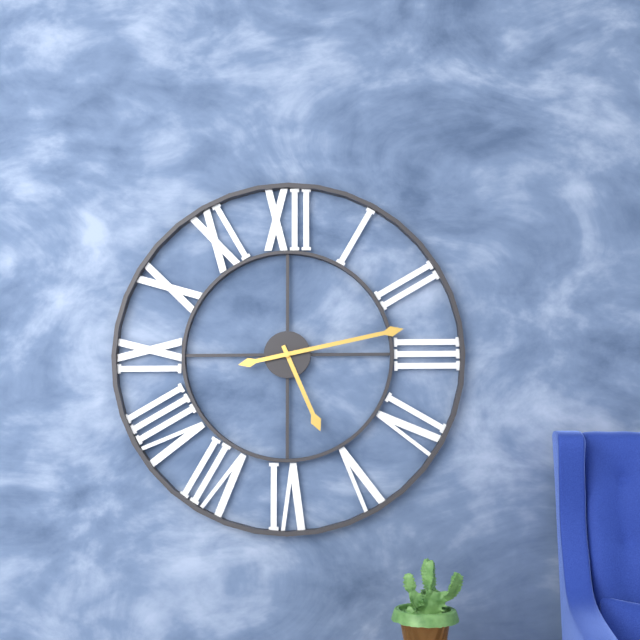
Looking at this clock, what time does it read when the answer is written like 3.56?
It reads 5.13
